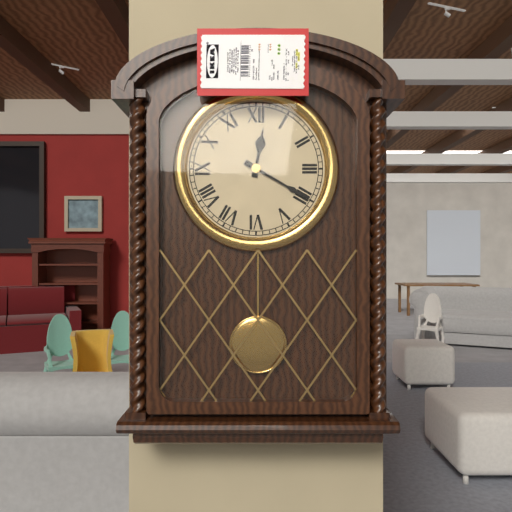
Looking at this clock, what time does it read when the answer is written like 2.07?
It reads 12.20
